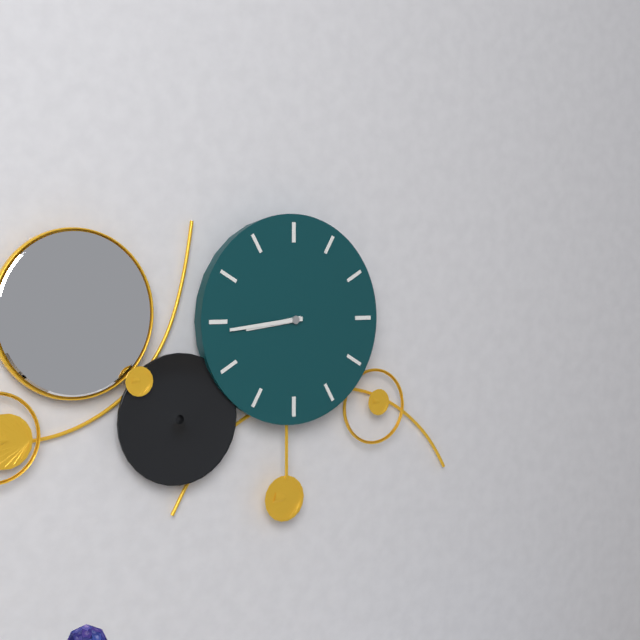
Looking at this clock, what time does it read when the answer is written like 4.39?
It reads 8.44
